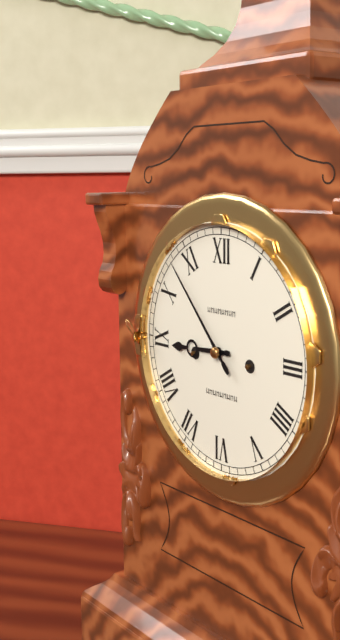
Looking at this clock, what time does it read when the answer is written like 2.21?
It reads 8.53
